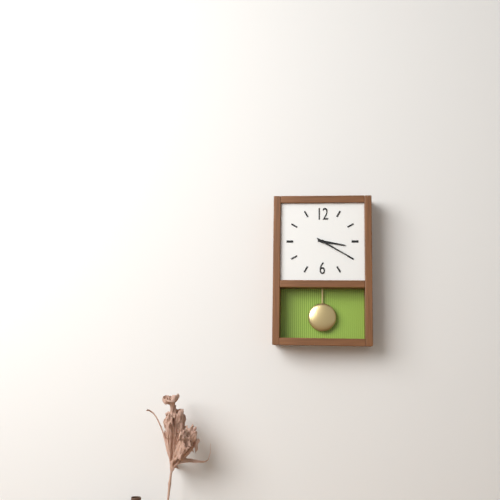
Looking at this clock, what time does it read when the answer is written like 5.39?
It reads 3.20
